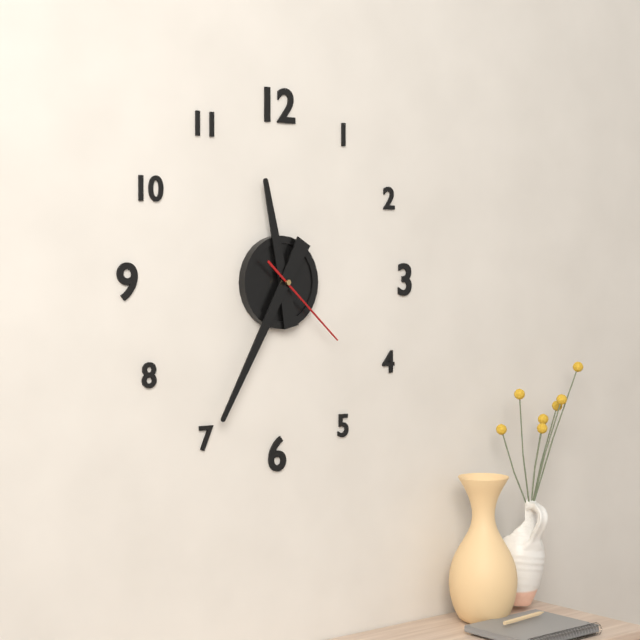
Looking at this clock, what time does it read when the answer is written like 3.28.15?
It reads 11.35.22
